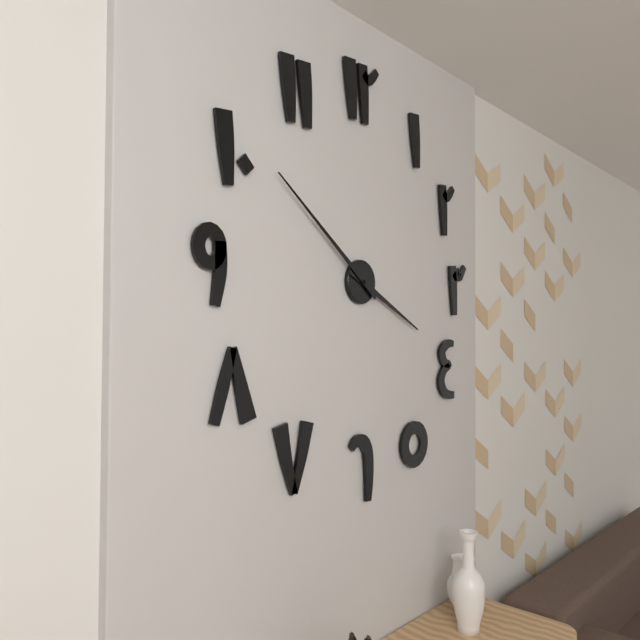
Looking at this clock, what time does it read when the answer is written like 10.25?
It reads 3.51
